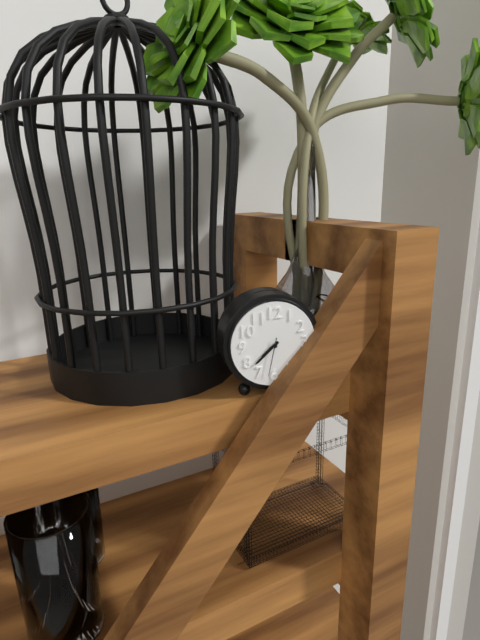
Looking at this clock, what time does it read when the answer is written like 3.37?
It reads 7.38
